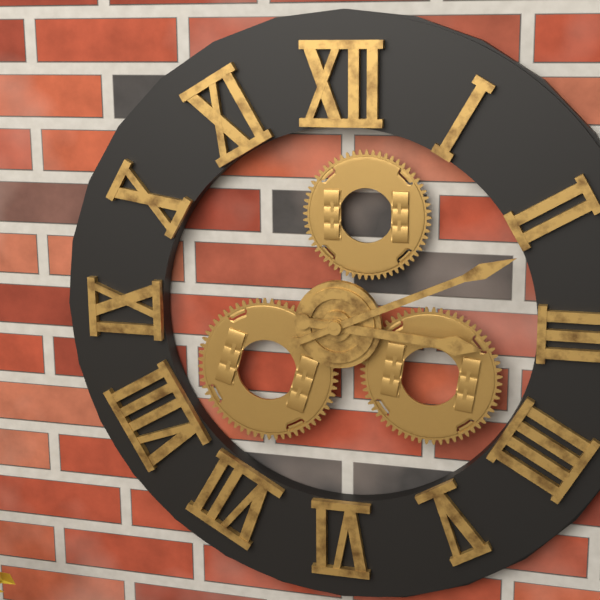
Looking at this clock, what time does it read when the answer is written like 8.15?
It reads 3.11
